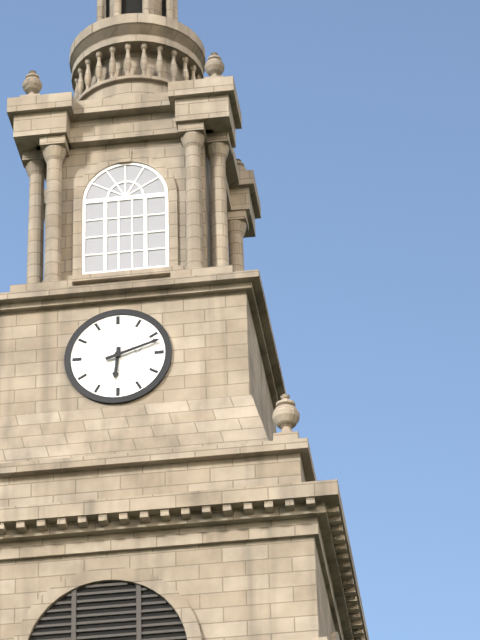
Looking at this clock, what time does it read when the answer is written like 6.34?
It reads 6.12
